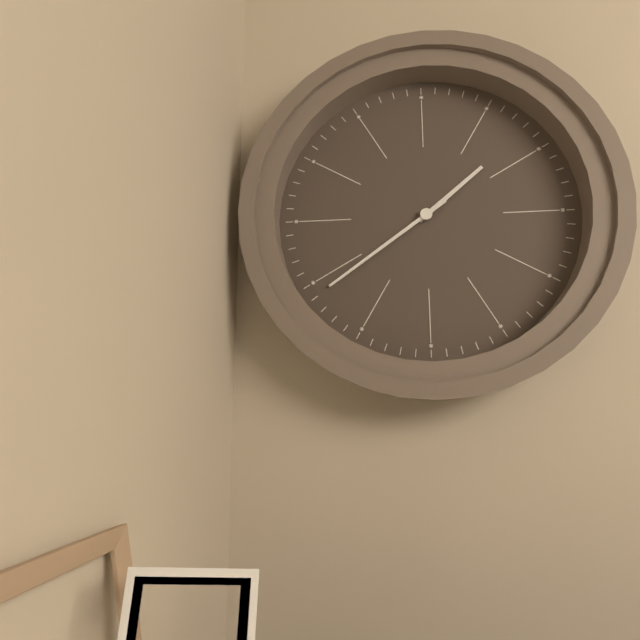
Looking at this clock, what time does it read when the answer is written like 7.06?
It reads 1.39
